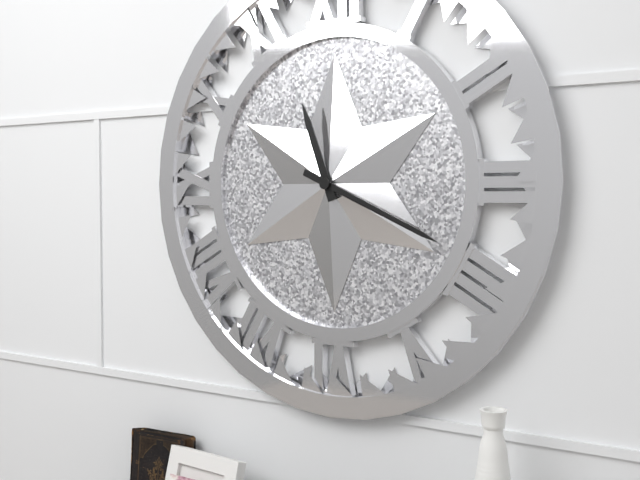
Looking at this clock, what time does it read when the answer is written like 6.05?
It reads 11.19
